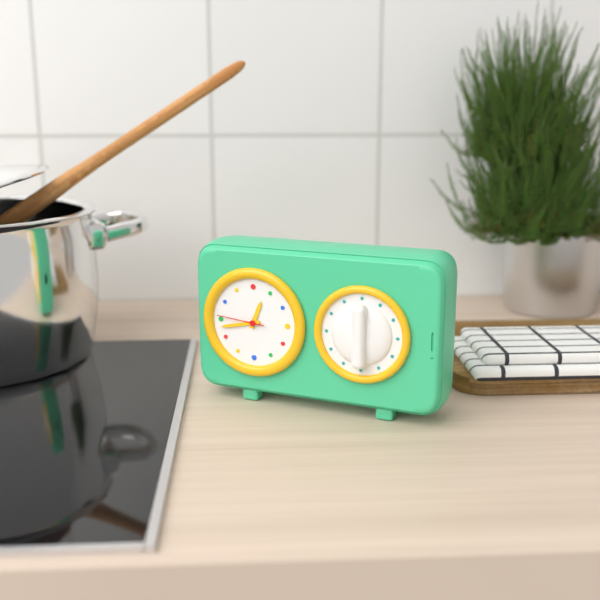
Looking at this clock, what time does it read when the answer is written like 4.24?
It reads 12.43
